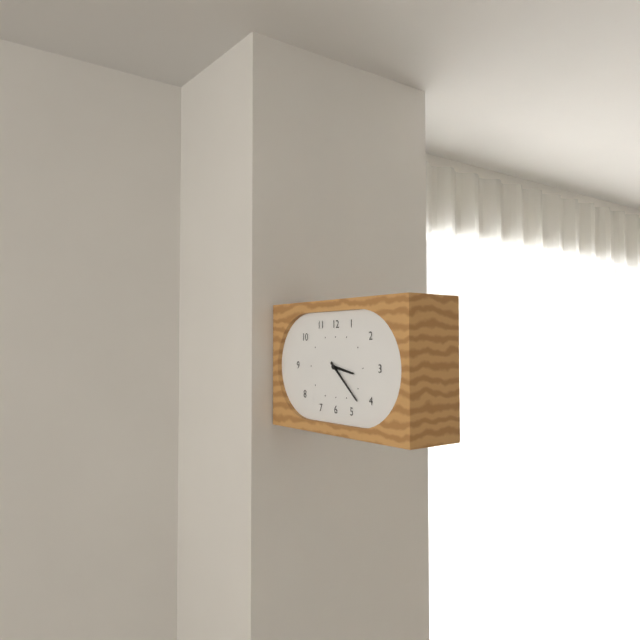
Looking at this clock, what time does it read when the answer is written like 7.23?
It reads 3.22
